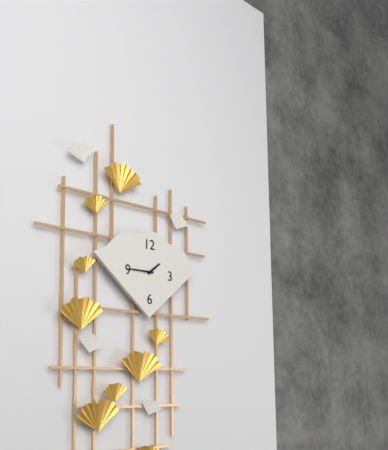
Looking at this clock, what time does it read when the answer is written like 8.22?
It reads 1.45
